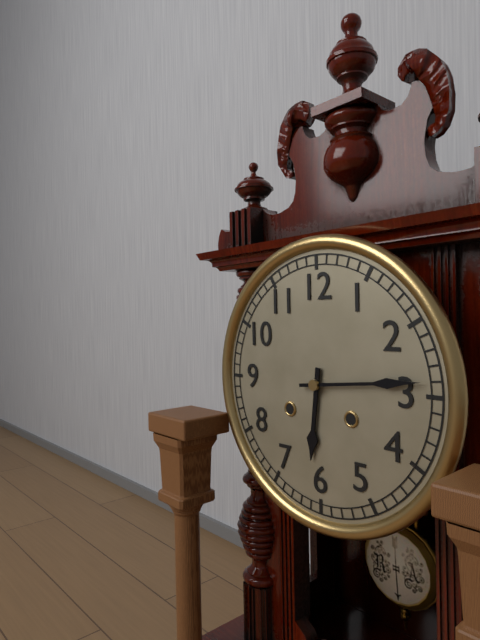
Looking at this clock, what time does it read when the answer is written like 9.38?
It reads 6.14
